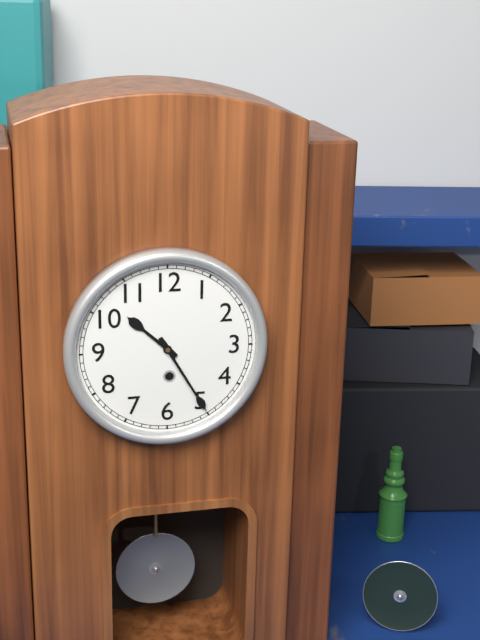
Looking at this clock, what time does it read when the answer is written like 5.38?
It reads 10.25
